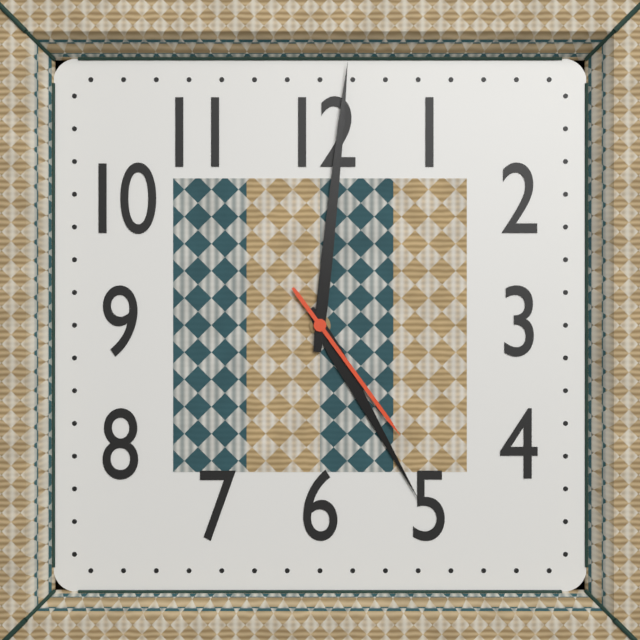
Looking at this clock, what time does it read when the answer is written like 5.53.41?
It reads 5.01.24
